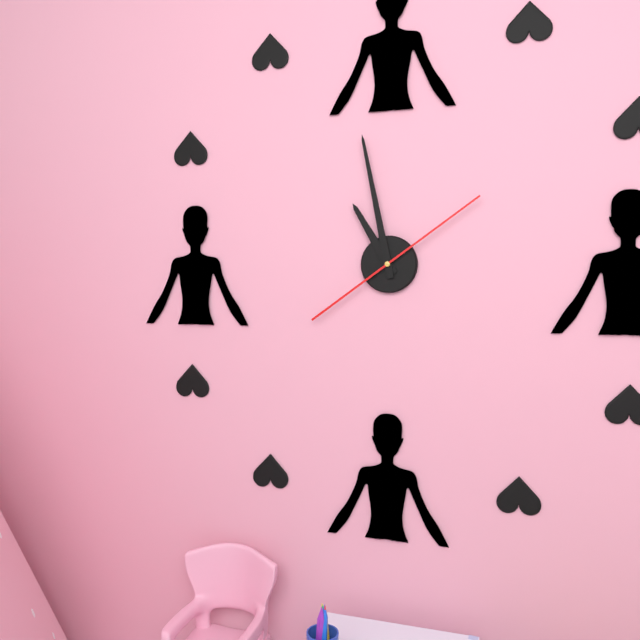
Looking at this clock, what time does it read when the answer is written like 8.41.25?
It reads 10.58.09
